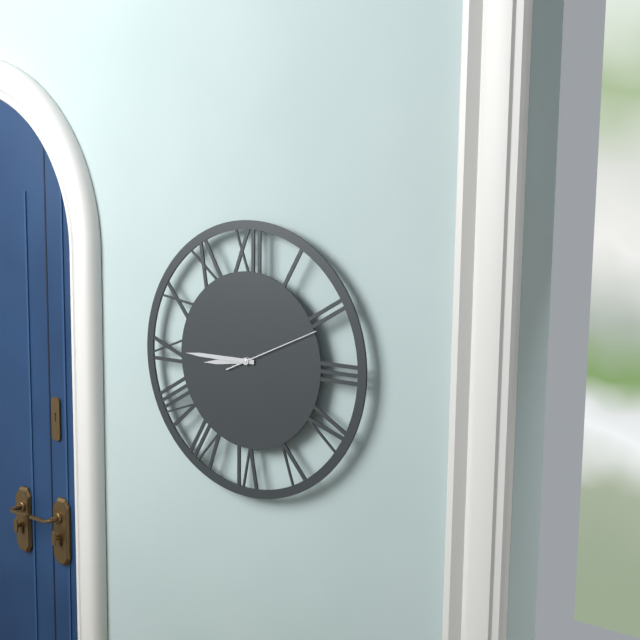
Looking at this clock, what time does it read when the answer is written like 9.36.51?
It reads 8.45.11
